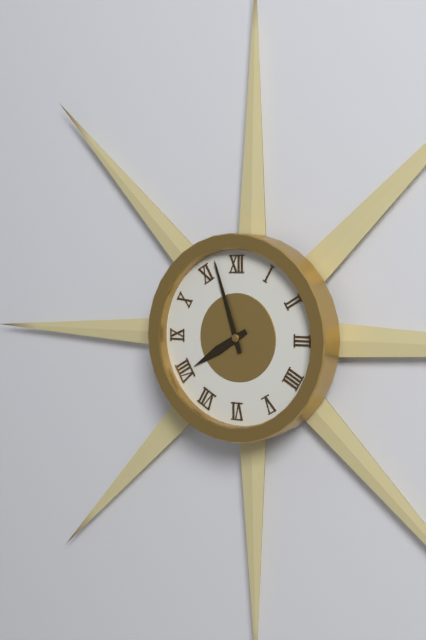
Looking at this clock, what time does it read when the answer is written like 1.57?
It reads 7.57
